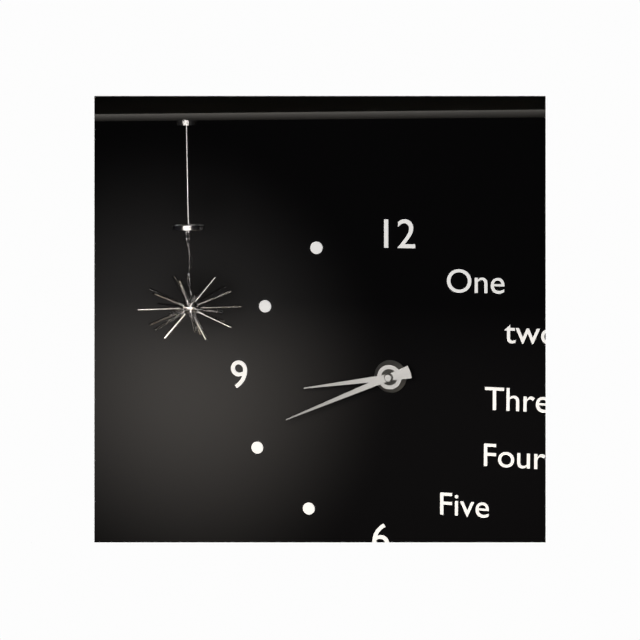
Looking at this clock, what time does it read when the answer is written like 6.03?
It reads 8.41
